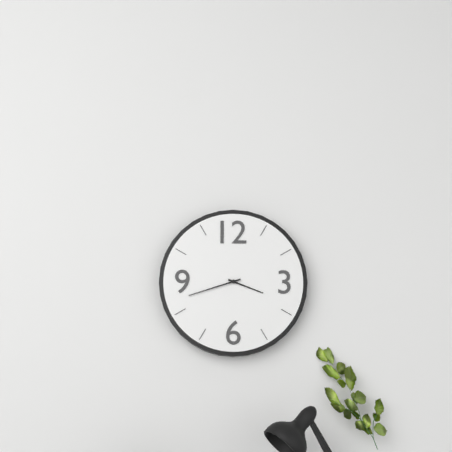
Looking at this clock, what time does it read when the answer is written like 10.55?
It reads 3.42
